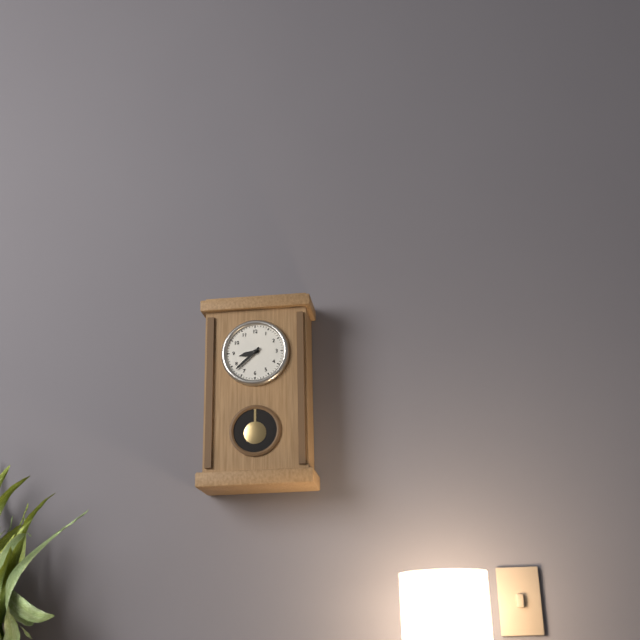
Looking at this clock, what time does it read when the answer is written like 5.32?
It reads 8.38
